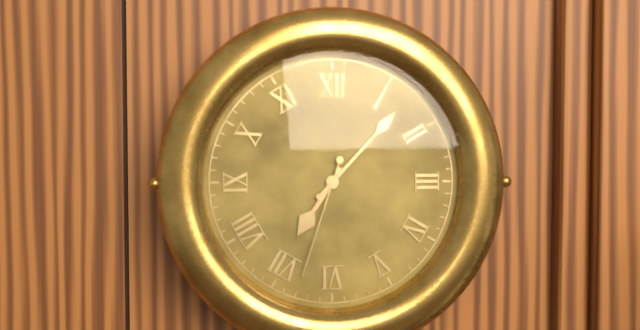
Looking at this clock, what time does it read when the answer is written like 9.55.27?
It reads 7.07.33
